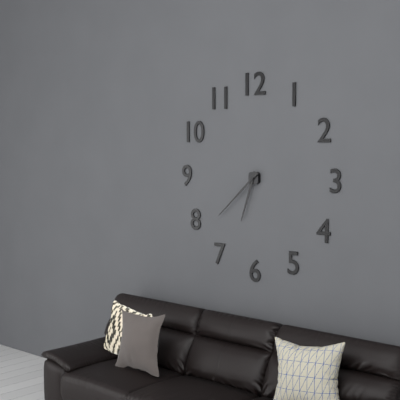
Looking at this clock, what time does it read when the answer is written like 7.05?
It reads 6.38
